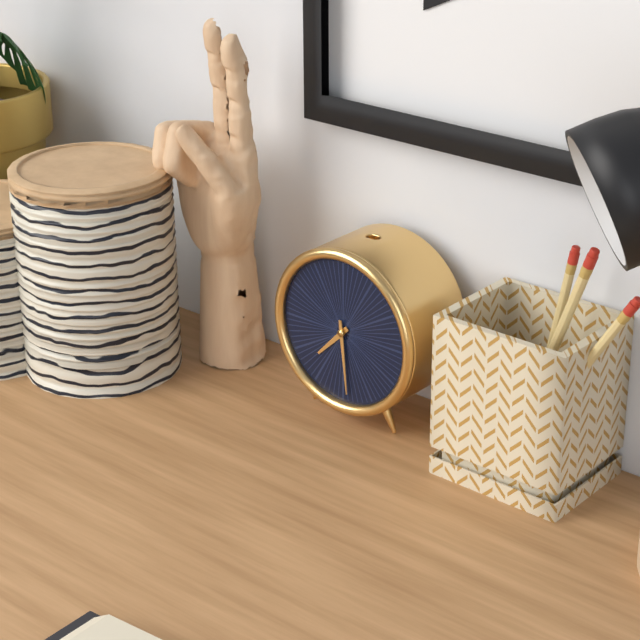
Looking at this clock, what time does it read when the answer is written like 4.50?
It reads 7.29
